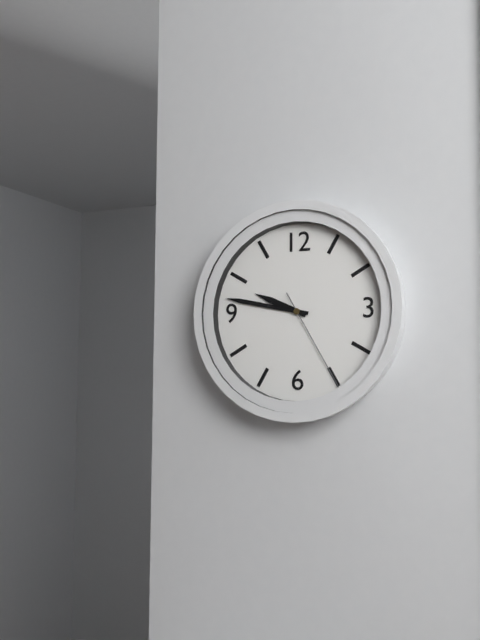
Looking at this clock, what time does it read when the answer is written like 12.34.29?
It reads 9.47.25
